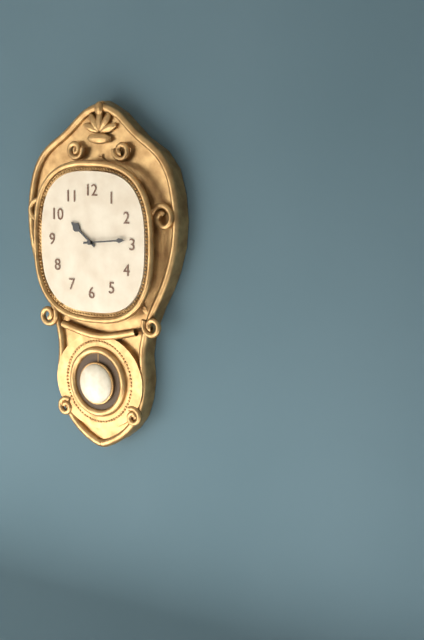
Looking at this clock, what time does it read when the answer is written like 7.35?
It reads 10.14
